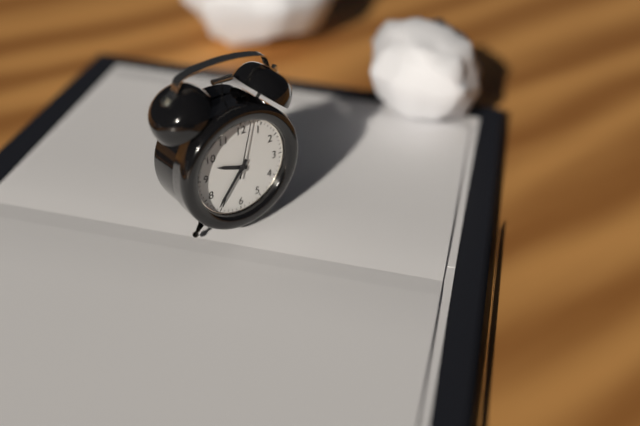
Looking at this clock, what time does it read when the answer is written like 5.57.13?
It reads 9.36.02
